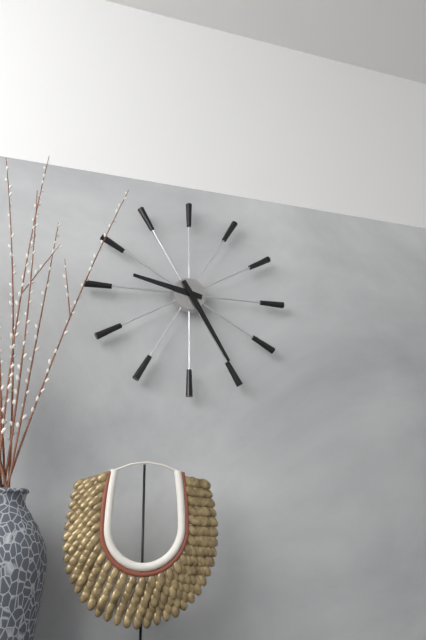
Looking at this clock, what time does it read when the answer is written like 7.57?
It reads 9.25
